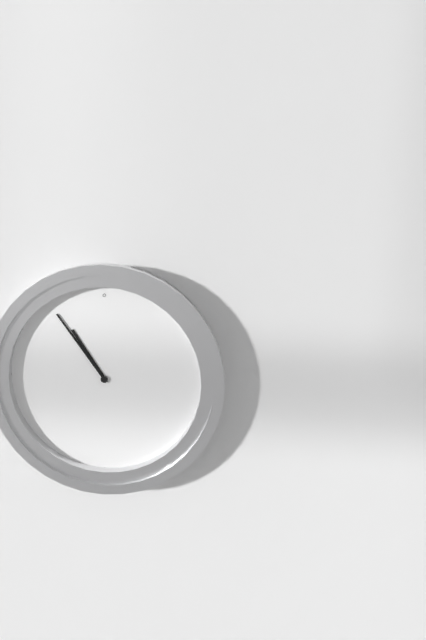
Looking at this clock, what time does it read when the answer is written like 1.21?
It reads 10.54
